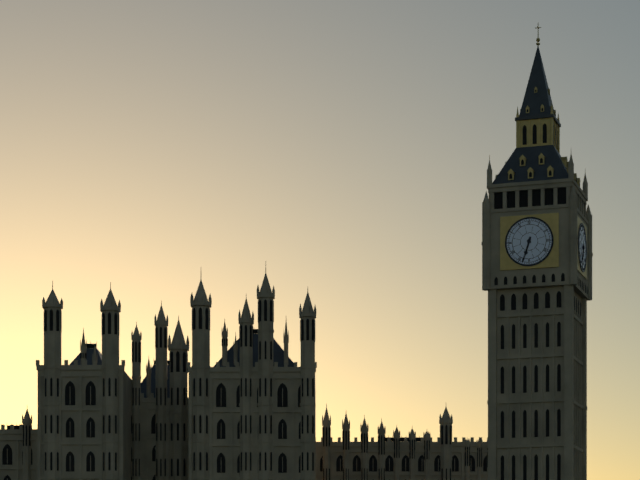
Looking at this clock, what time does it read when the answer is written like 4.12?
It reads 6.33
